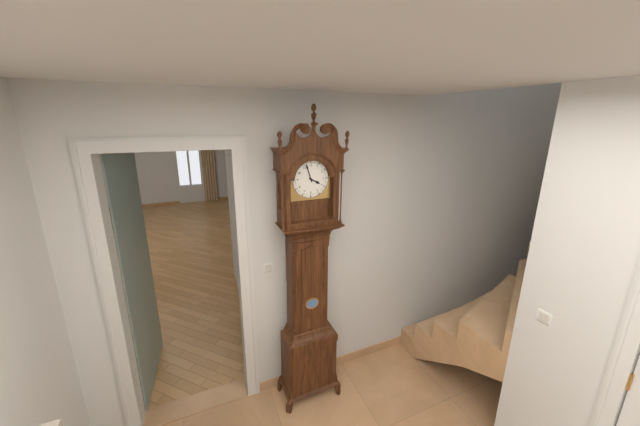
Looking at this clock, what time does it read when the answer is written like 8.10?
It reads 3.57
